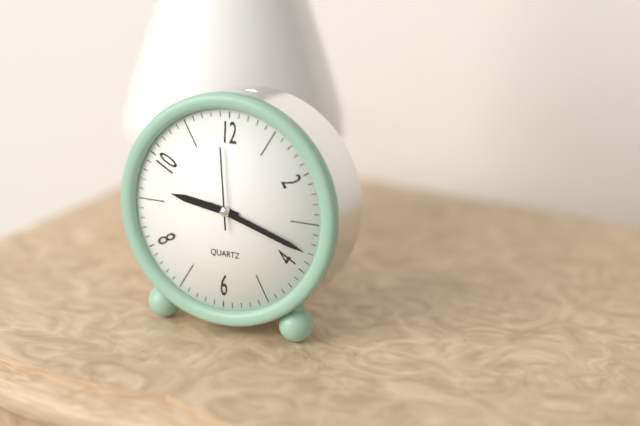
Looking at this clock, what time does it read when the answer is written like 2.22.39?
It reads 9.18.59
